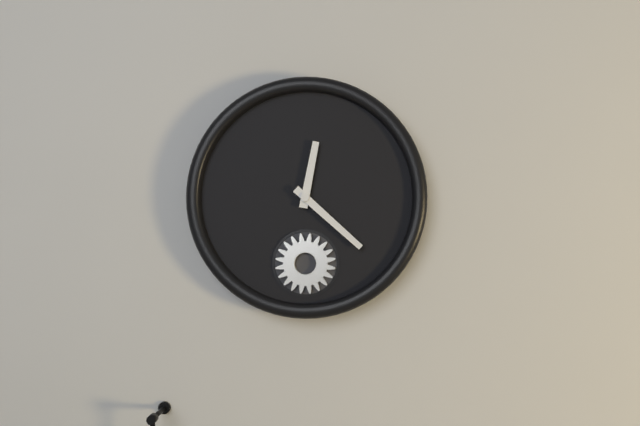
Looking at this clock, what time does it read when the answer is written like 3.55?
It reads 12.22
